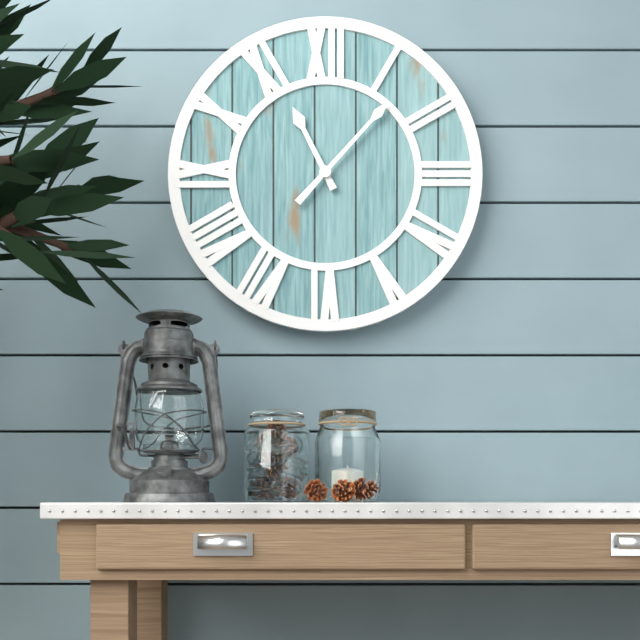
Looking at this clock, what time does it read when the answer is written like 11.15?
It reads 11.07
